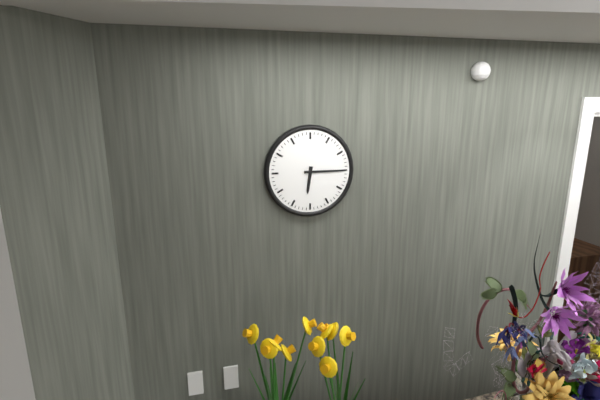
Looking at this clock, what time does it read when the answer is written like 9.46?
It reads 6.15
